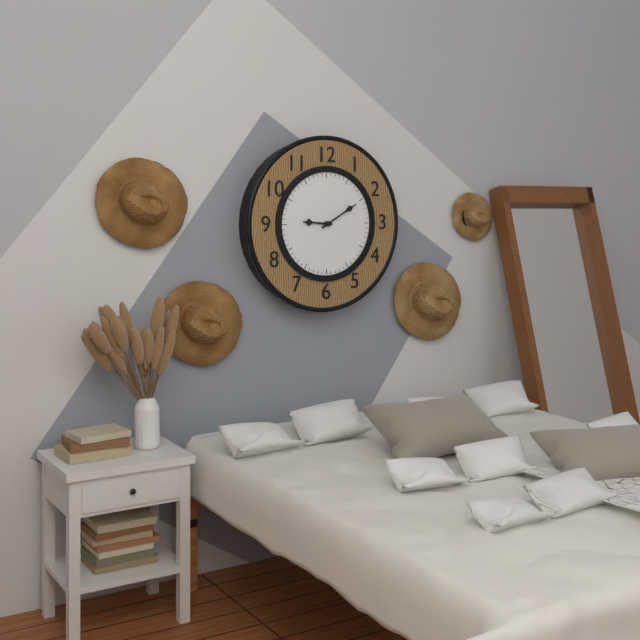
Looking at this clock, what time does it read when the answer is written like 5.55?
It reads 9.10
